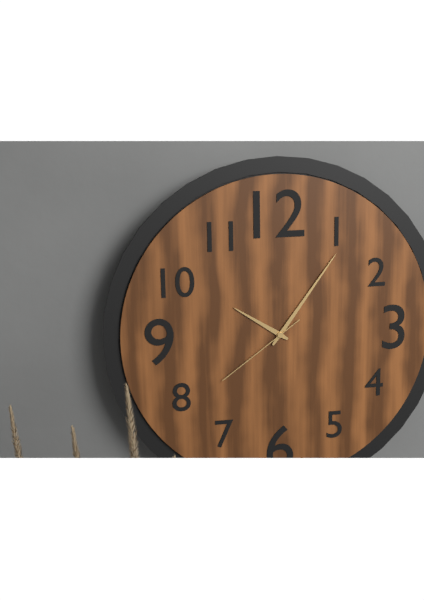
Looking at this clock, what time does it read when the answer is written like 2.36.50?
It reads 10.06.39
